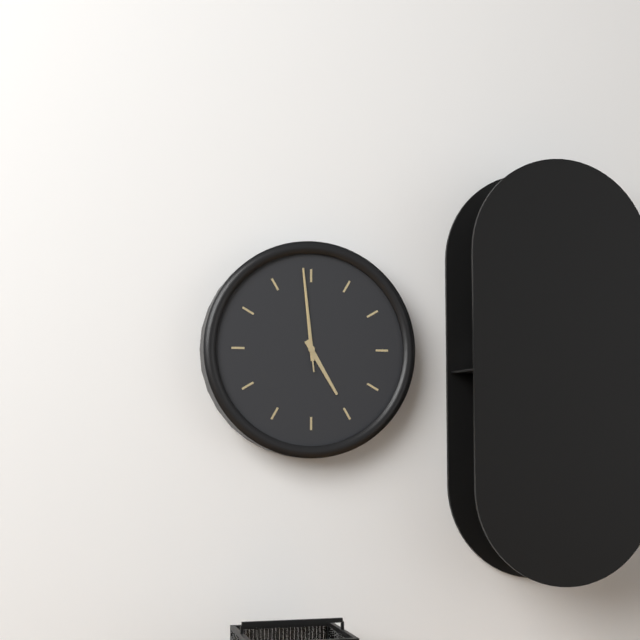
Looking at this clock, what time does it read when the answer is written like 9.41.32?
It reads 4.59.59
